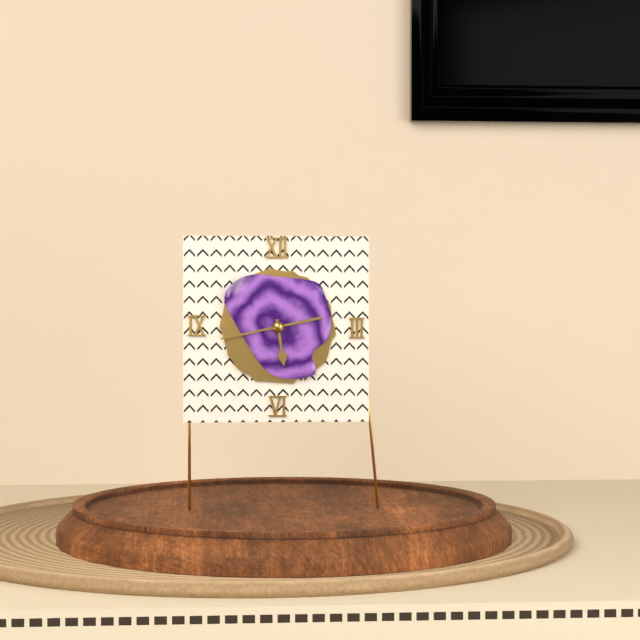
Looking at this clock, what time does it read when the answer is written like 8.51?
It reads 5.43
